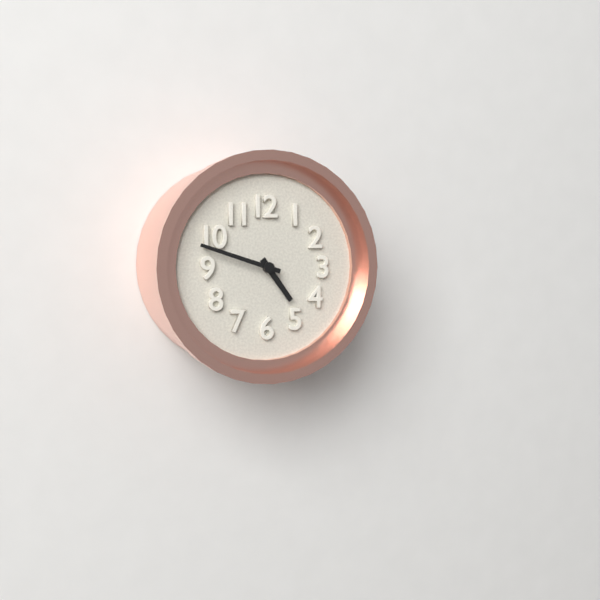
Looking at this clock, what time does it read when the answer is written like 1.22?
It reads 4.48
